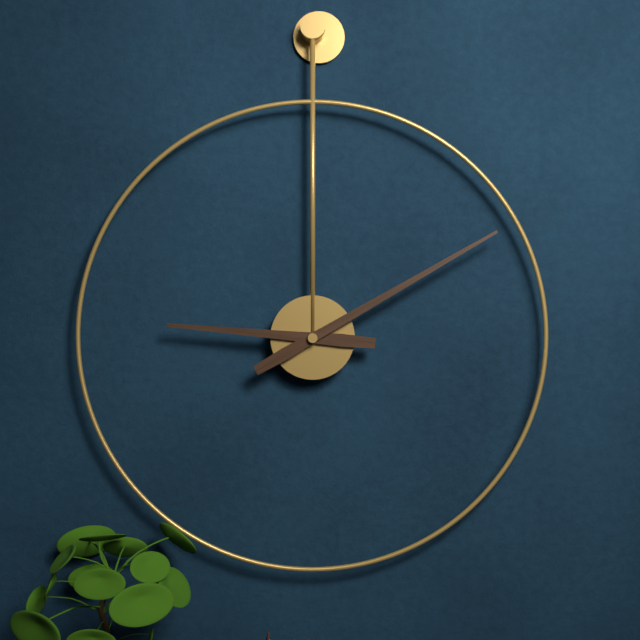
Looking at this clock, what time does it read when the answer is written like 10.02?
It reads 9.10
